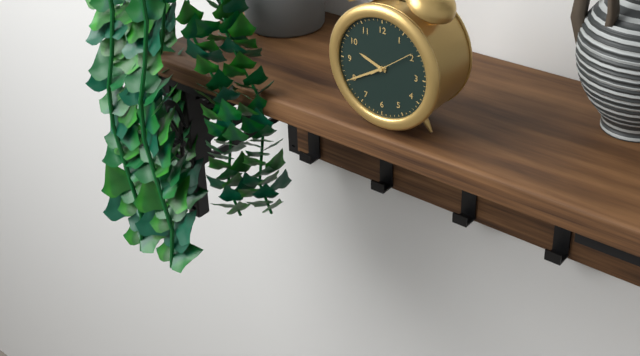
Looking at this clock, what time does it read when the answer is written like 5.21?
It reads 9.40
